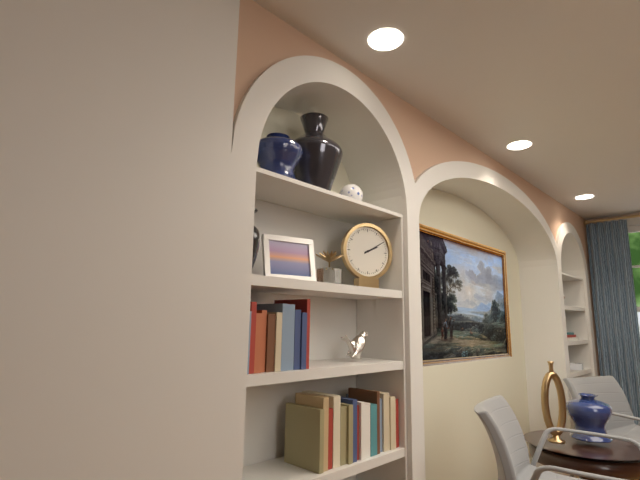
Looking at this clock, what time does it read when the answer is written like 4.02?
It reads 2.10
